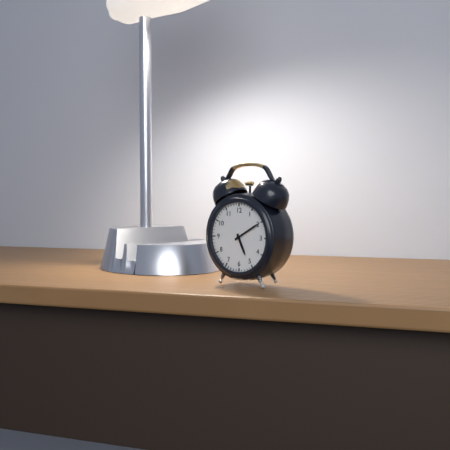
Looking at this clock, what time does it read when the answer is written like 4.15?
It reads 5.10
